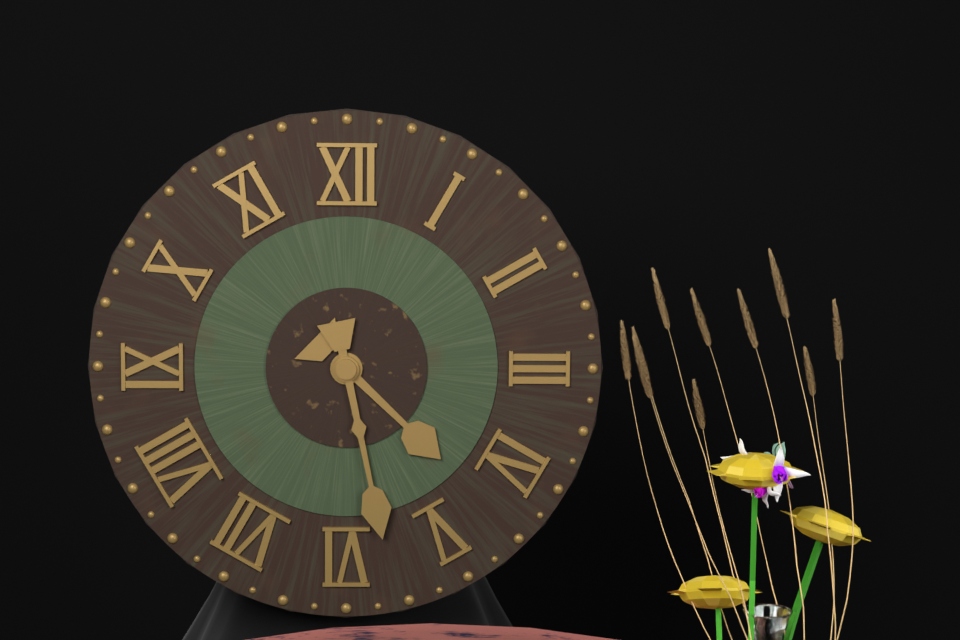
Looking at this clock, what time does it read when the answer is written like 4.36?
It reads 4.28
